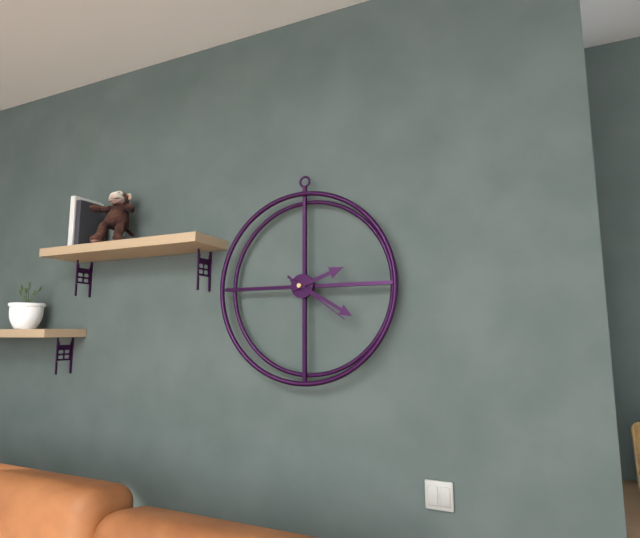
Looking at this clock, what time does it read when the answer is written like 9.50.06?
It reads 2.20.21
